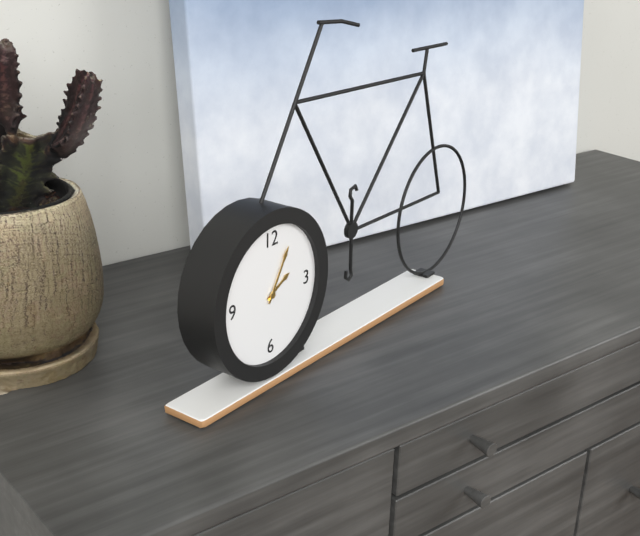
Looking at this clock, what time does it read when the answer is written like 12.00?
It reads 2.05
